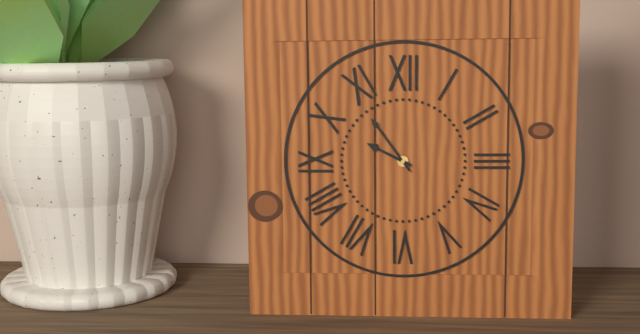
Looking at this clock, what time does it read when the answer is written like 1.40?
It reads 9.54
